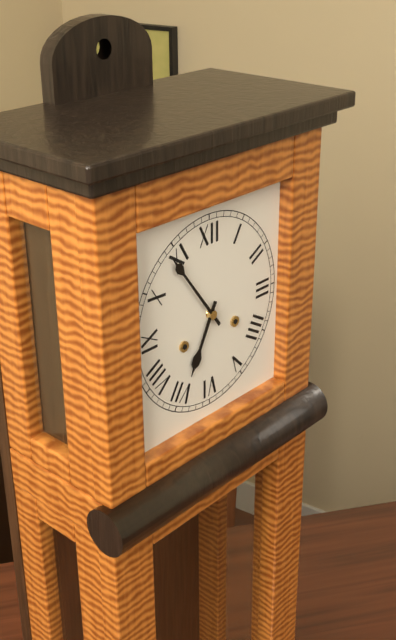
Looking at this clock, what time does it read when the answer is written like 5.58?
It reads 6.54
